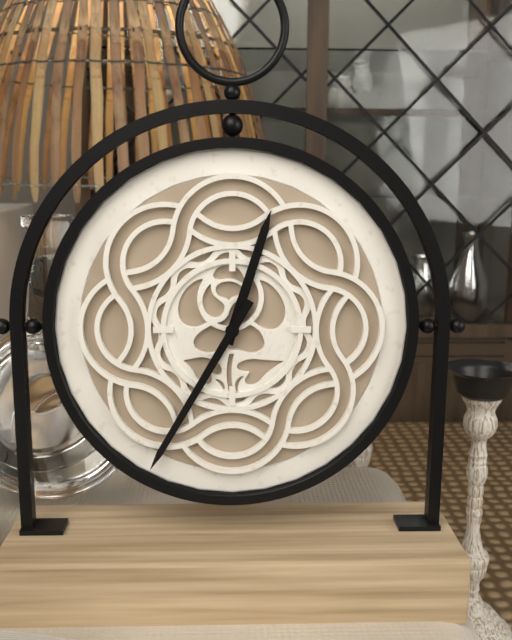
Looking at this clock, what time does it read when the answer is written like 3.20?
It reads 12.35
